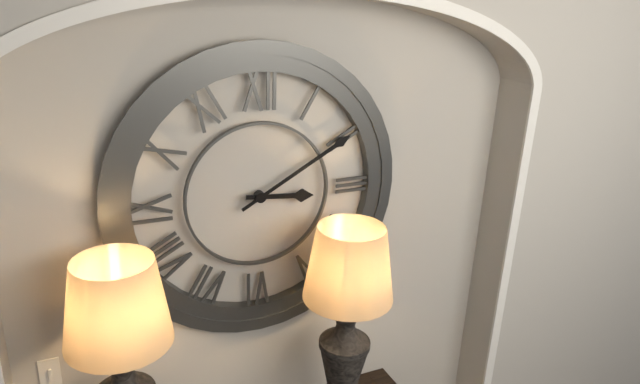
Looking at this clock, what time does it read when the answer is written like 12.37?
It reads 3.10
